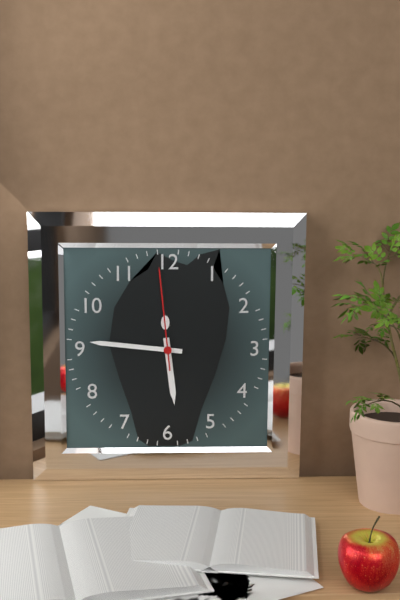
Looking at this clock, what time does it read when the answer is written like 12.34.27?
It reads 5.46.59
